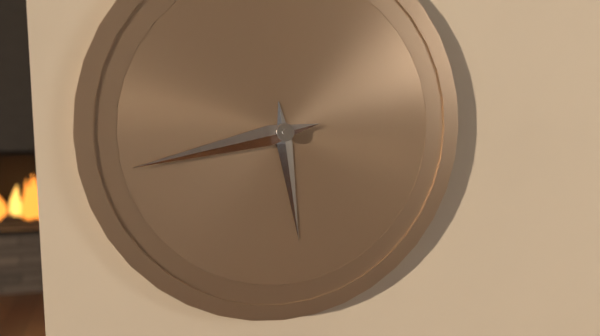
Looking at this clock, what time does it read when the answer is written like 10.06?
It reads 5.43
